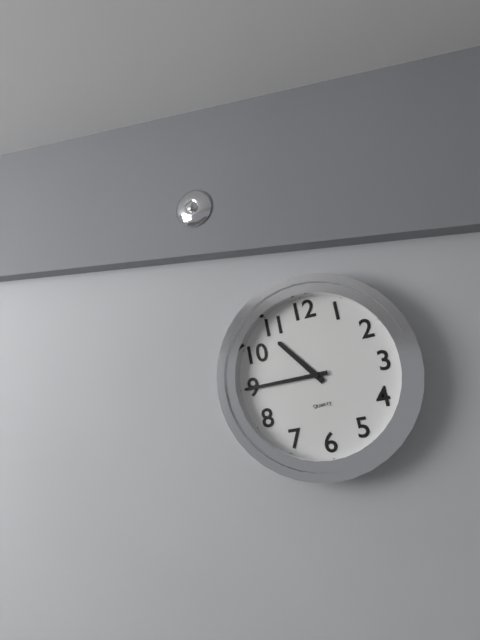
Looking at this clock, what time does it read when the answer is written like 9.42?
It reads 10.45
